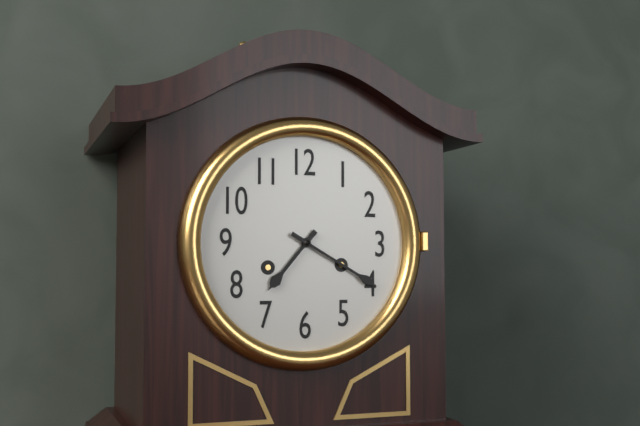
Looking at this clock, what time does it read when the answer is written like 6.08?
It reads 7.20
